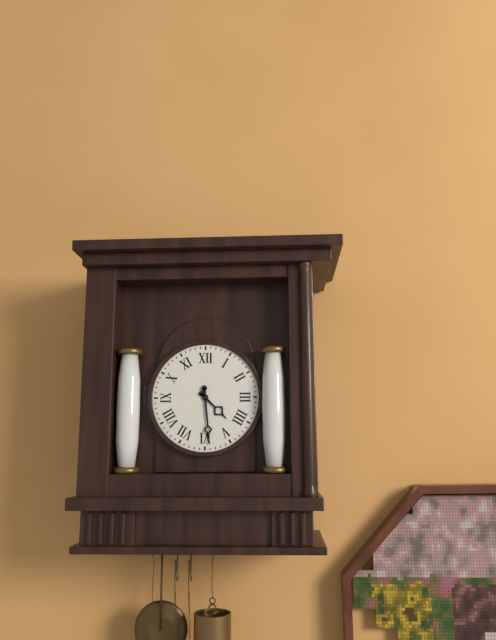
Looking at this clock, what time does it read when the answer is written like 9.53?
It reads 4.29
